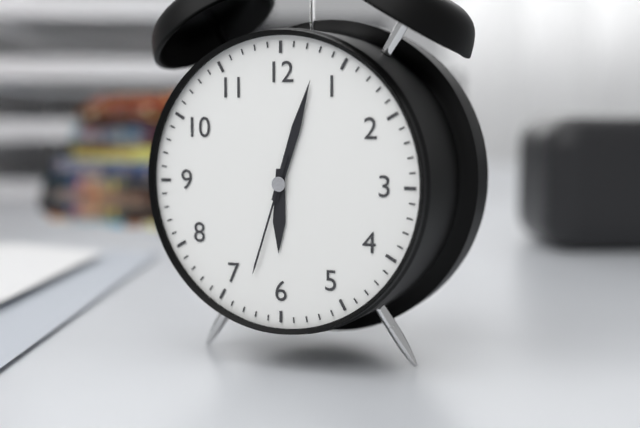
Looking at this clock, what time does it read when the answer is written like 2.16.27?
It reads 6.03.33
